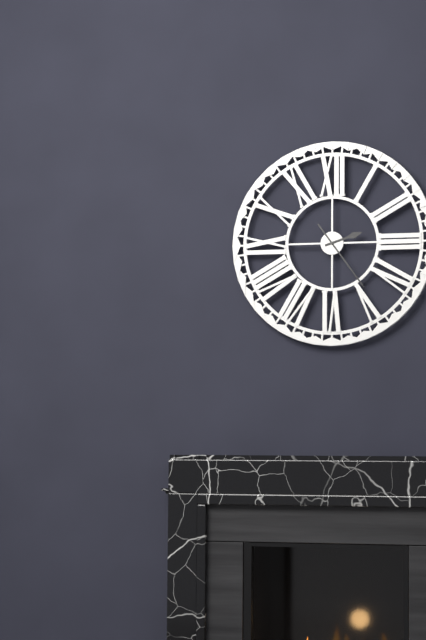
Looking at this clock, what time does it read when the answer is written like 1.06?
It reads 2.24
